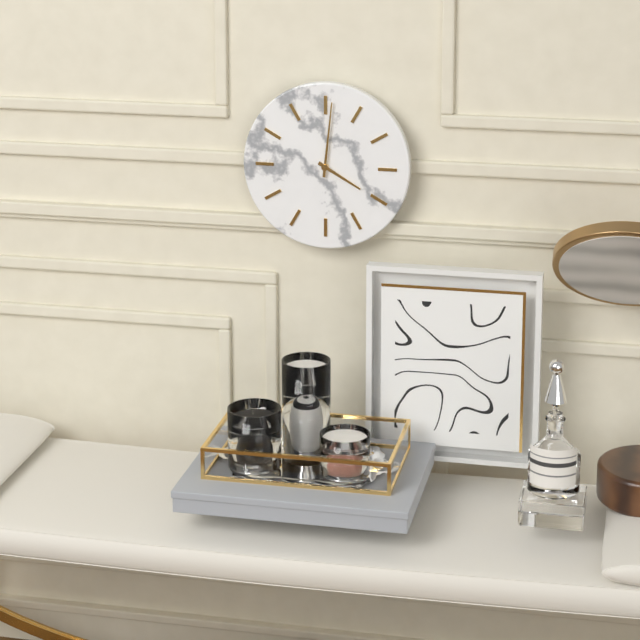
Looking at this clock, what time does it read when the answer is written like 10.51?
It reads 4.01
